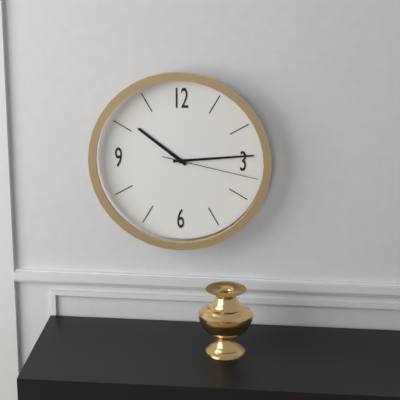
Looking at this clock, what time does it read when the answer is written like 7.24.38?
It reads 10.14.17
